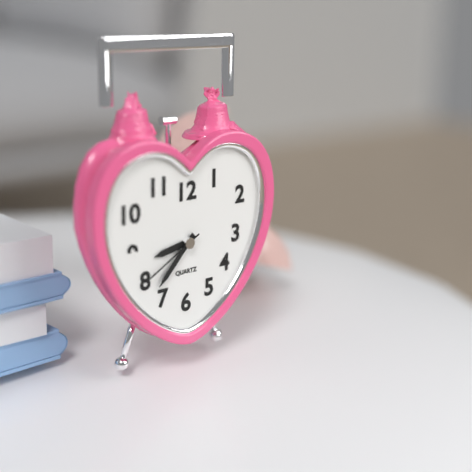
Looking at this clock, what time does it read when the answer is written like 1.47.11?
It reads 8.37.40
